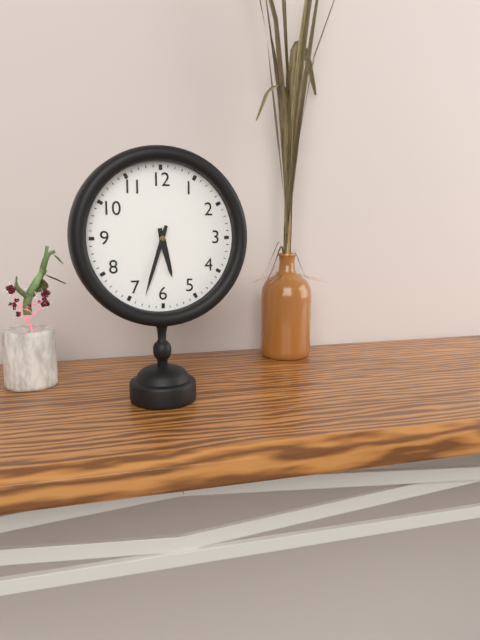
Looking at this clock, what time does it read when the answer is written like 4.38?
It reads 5.33
